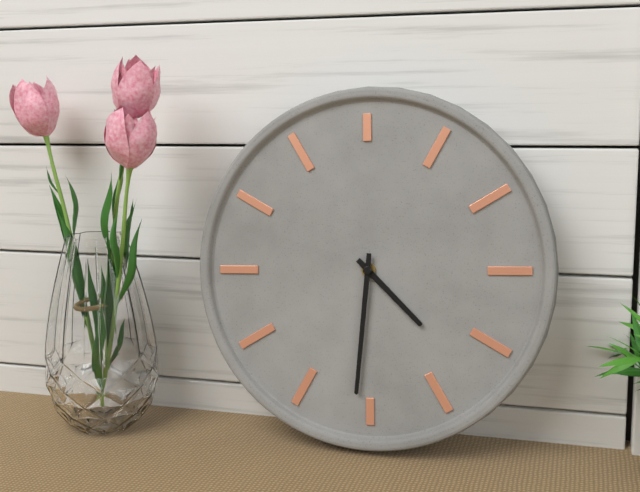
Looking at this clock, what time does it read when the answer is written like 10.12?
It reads 4.31
